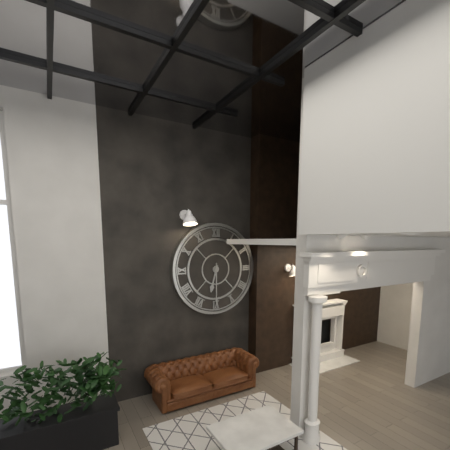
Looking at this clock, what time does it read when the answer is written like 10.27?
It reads 6.30
